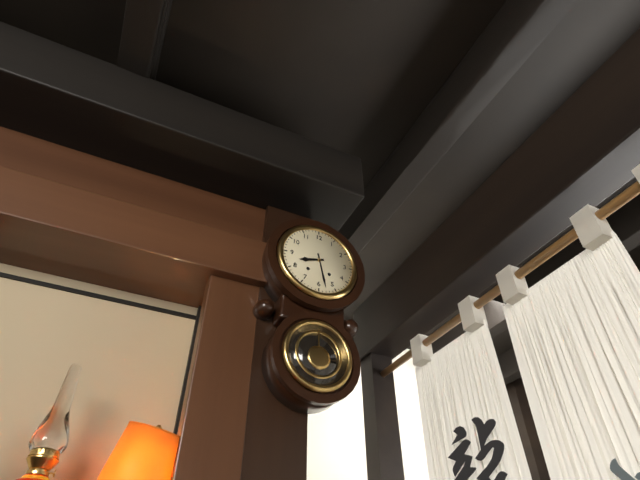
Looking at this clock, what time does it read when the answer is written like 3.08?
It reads 8.28
